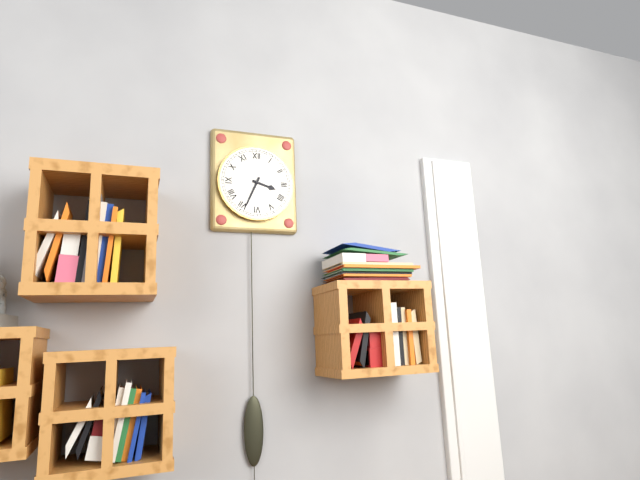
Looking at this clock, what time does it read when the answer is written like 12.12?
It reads 3.34
